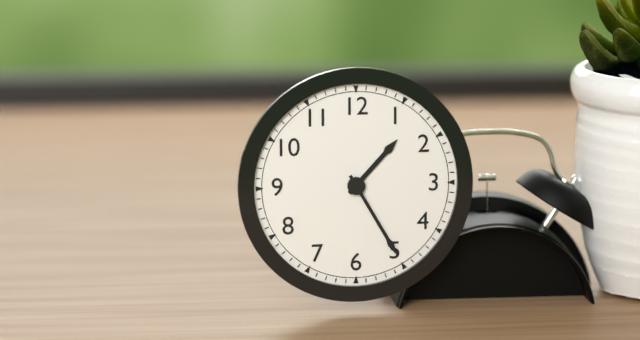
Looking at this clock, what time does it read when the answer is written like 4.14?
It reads 1.25
